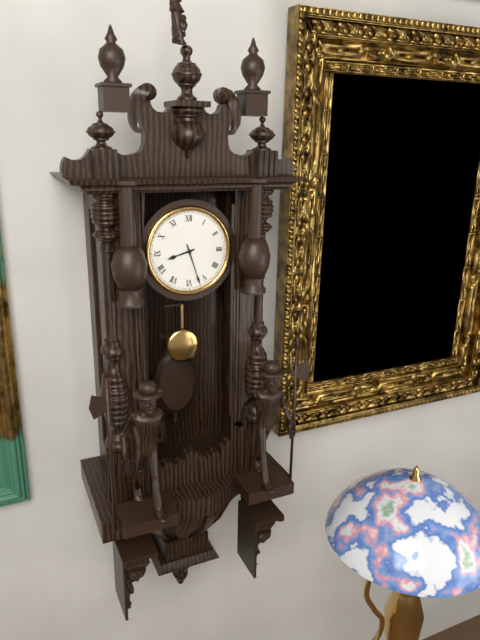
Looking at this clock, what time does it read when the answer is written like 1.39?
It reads 8.27
